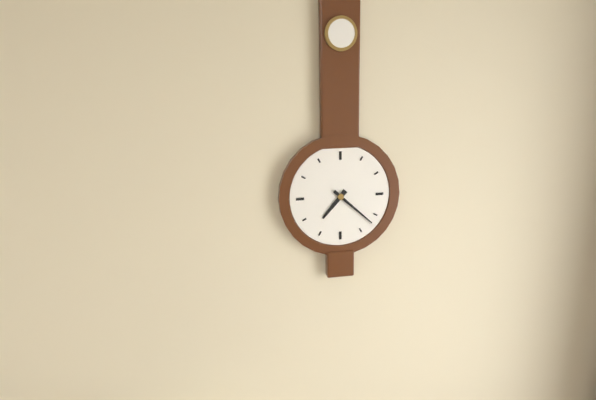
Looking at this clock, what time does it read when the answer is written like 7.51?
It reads 7.22
